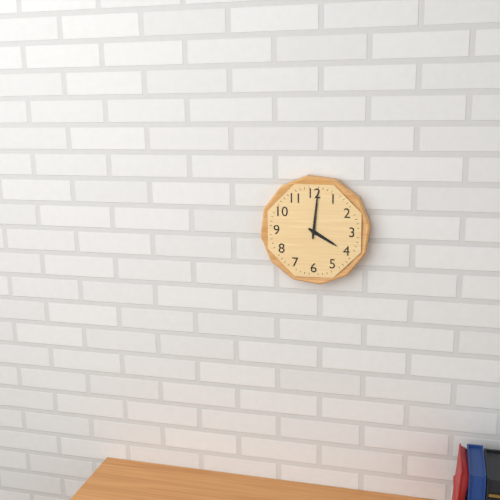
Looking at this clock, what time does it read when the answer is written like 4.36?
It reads 4.01
